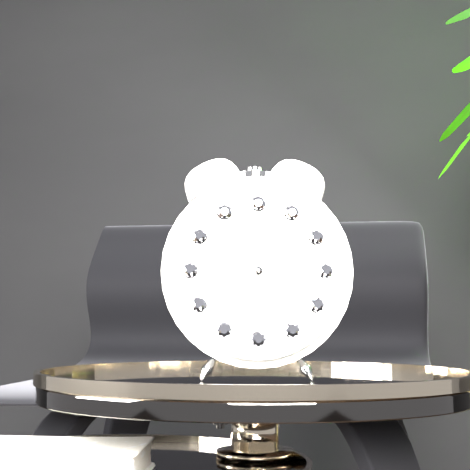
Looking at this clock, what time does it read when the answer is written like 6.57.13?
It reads 1.43.45
